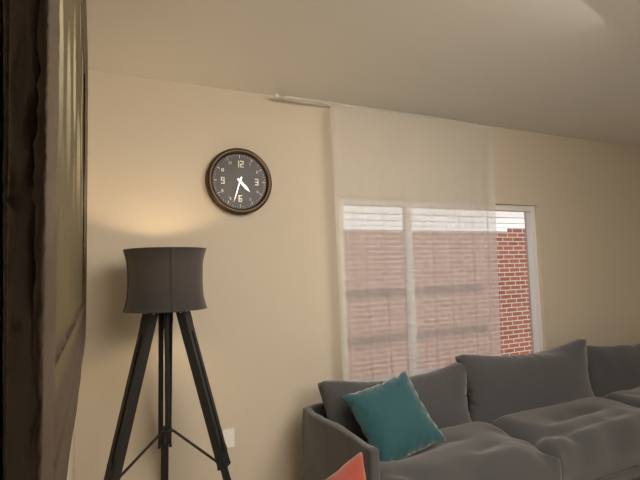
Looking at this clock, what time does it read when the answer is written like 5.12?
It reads 4.33
